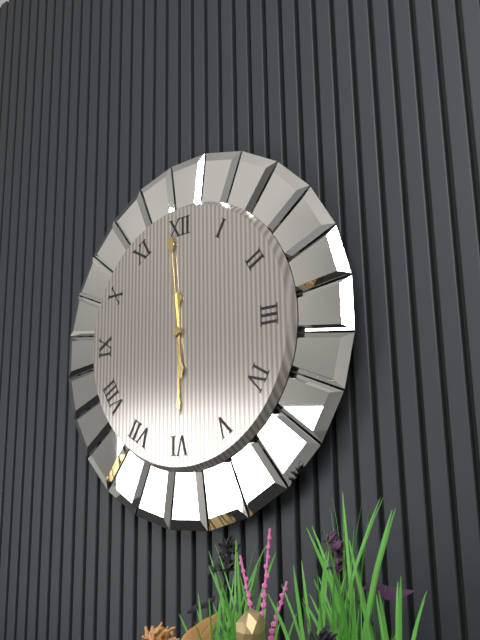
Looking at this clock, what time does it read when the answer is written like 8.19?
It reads 5.59
